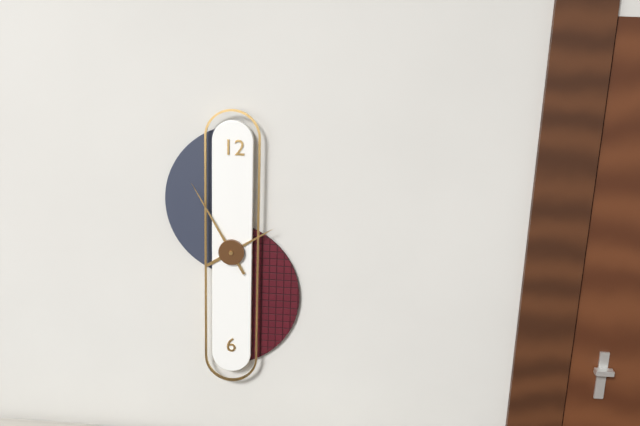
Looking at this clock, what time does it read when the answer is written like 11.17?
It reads 1.55
